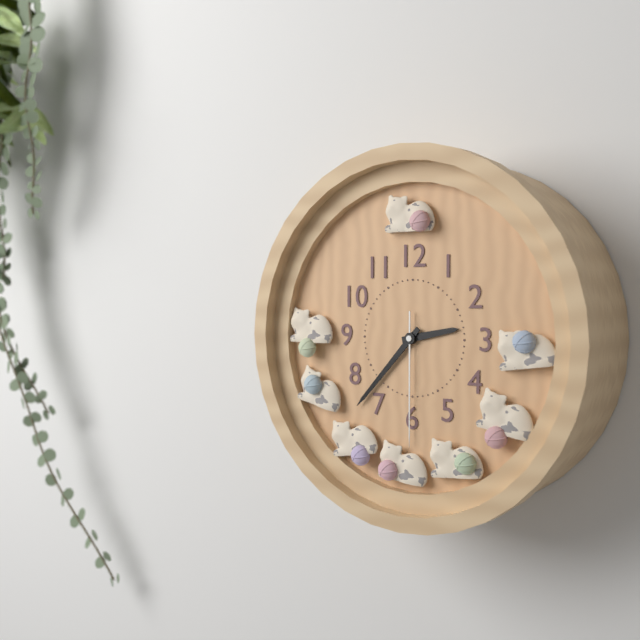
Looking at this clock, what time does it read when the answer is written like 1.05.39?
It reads 2.37.30
